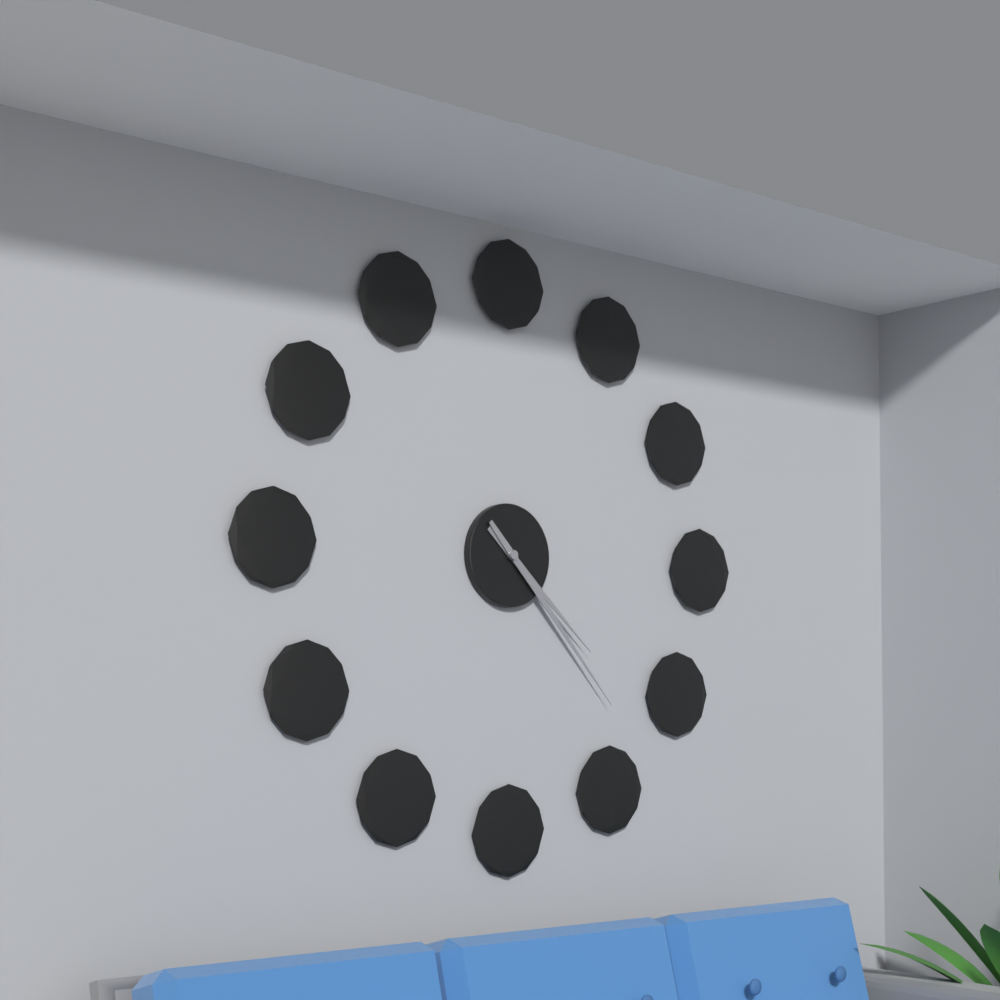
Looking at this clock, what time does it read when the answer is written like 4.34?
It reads 4.23
